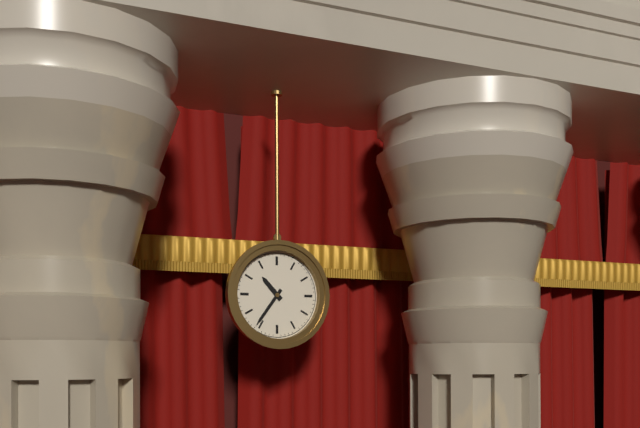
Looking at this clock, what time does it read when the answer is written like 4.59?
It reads 10.36
